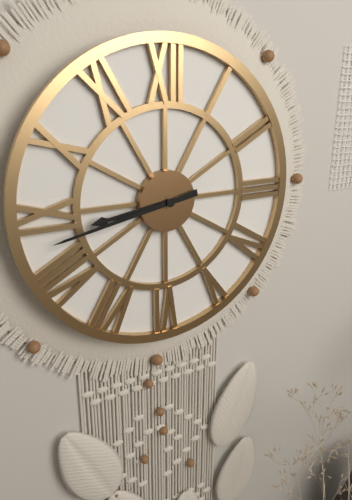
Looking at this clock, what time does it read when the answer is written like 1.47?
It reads 8.43
